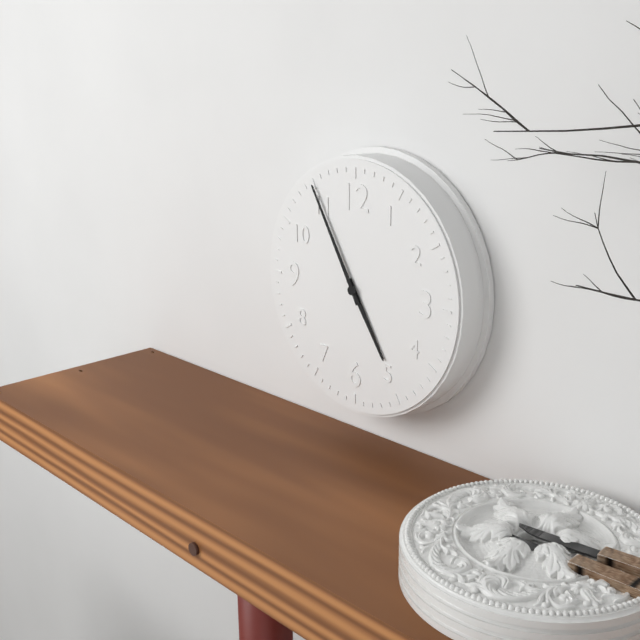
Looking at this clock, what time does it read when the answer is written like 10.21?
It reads 4.55
